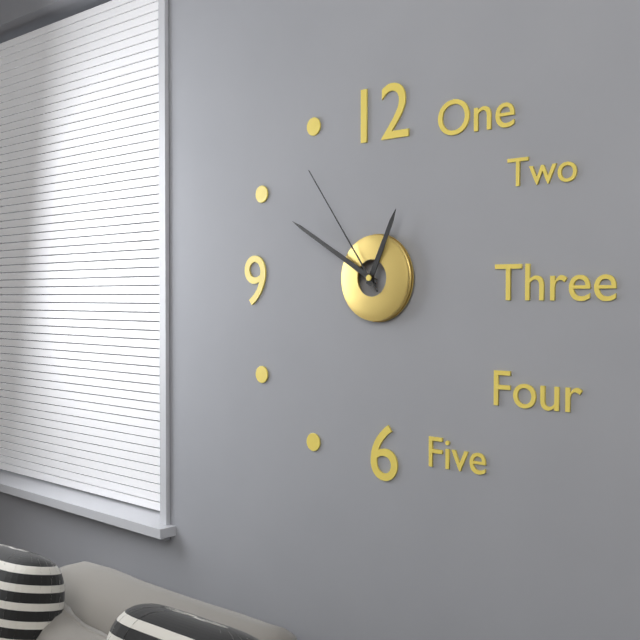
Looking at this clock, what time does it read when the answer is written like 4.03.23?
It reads 12.50.54
